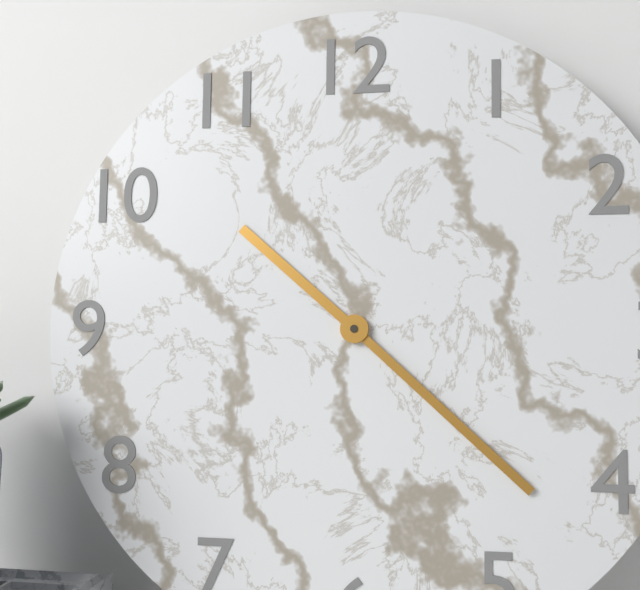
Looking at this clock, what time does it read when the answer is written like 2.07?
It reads 10.22
